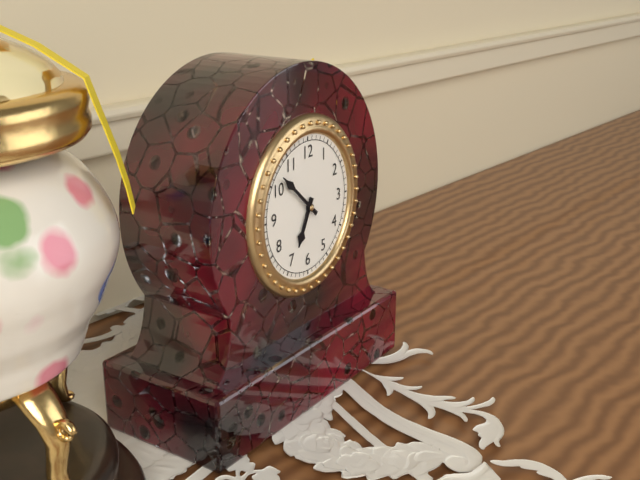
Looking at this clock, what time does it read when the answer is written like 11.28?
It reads 6.52
